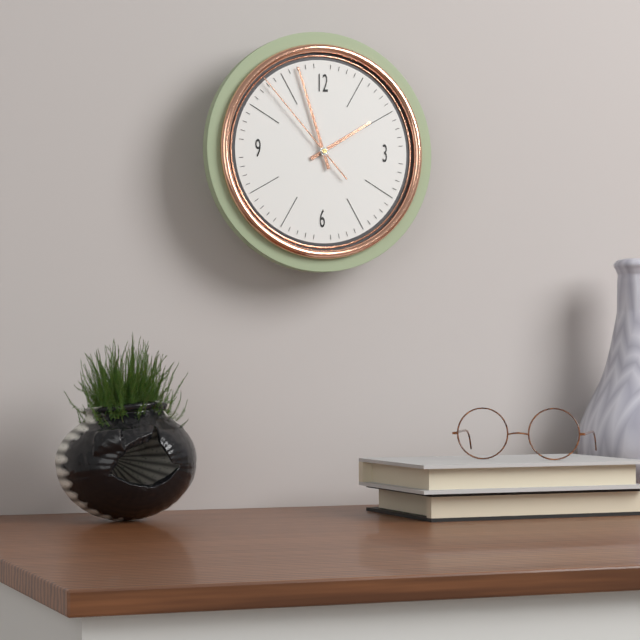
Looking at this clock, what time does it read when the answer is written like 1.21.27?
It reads 1.57.53
